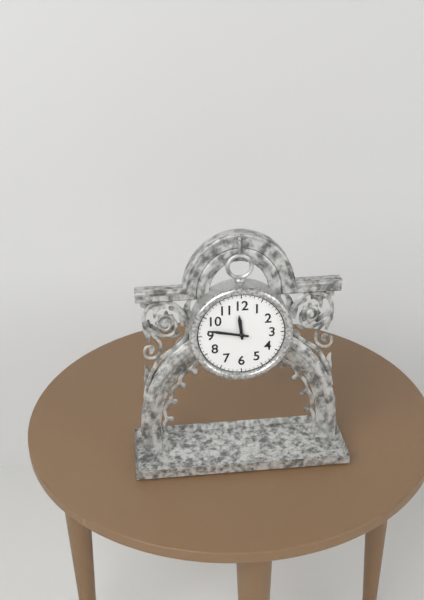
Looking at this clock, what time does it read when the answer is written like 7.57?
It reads 11.47
